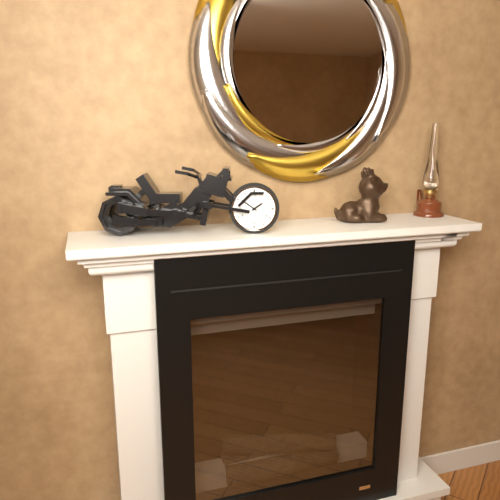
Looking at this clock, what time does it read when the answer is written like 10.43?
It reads 1.51
